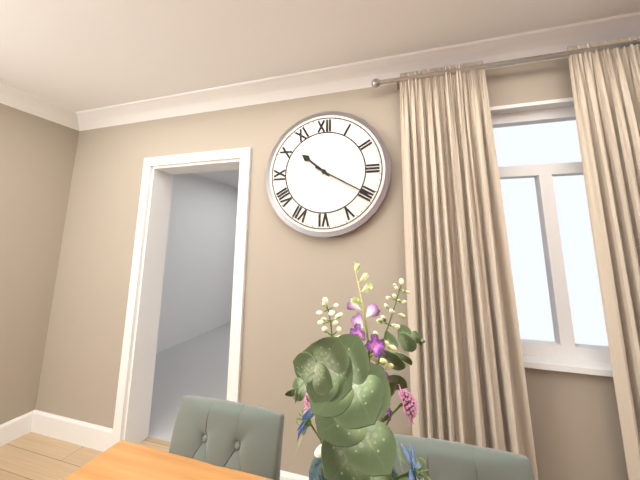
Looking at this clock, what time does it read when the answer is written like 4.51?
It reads 10.20
